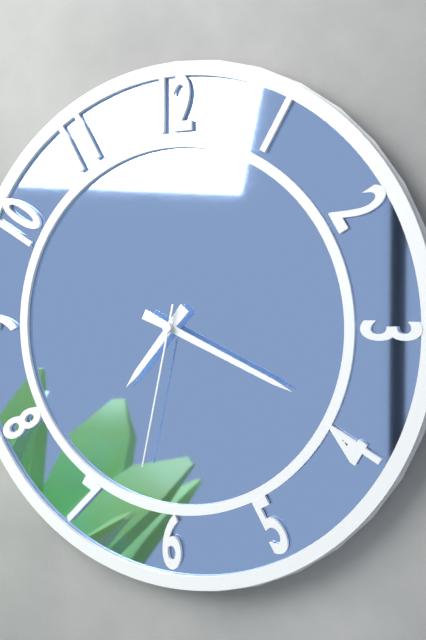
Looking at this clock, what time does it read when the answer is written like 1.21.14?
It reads 7.19.32
